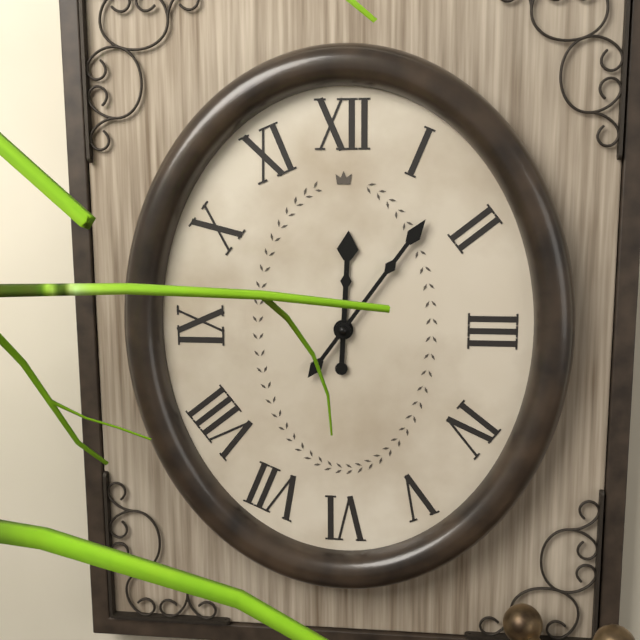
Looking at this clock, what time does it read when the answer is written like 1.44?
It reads 12.06
